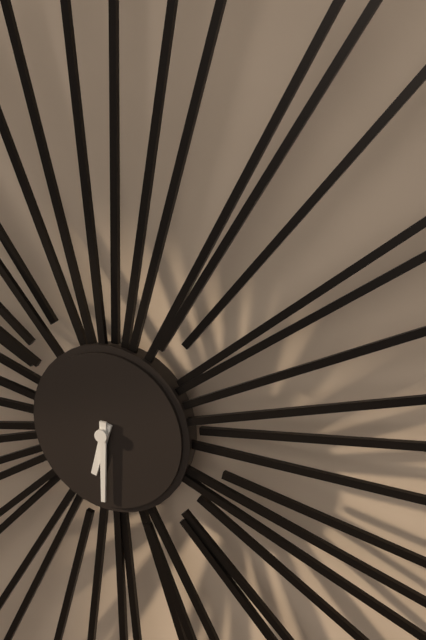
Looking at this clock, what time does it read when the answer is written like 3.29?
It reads 6.30
